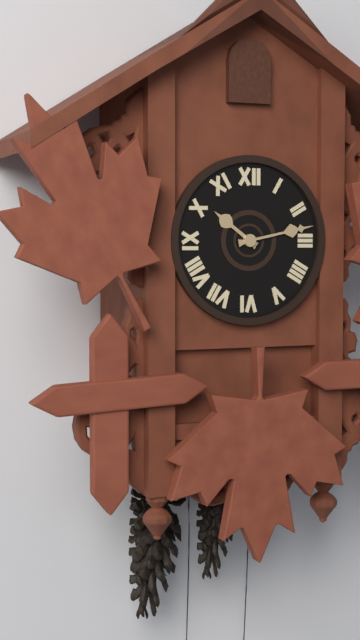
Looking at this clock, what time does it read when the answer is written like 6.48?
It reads 10.13
